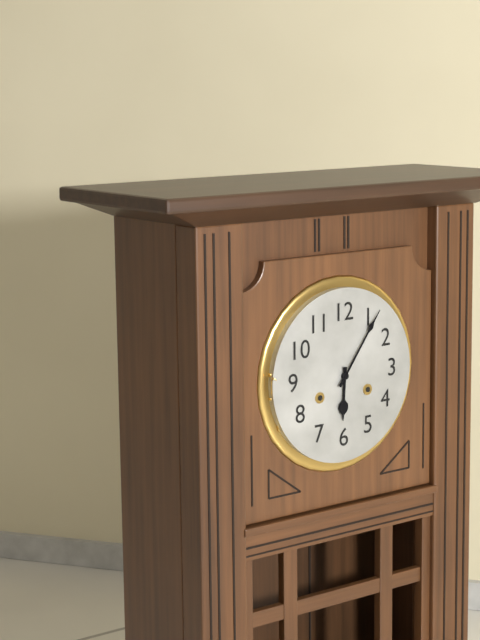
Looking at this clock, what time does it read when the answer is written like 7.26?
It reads 6.06
